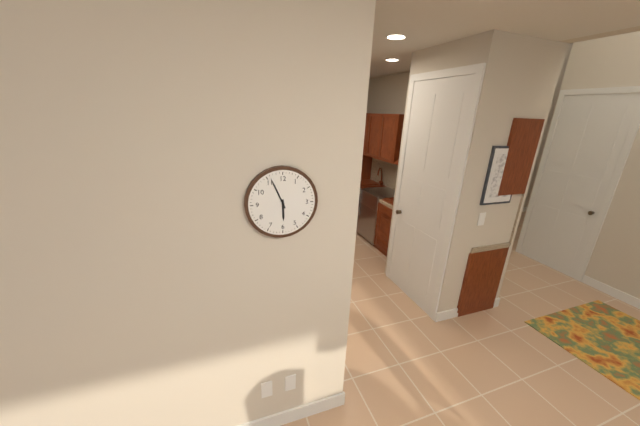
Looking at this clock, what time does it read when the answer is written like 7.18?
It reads 5.56
